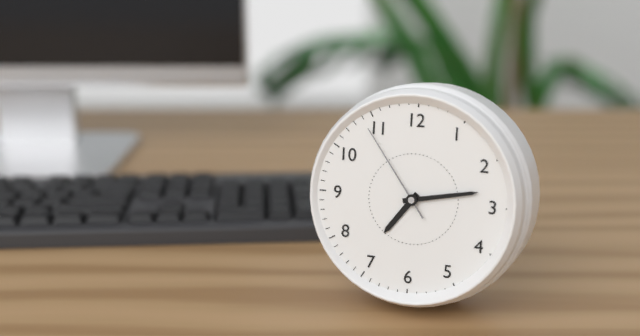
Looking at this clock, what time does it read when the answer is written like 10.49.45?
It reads 7.13.54
